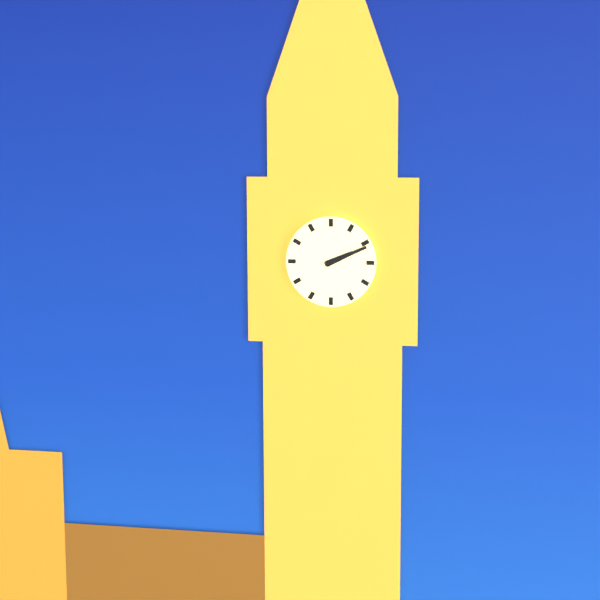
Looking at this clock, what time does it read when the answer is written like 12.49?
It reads 2.11
